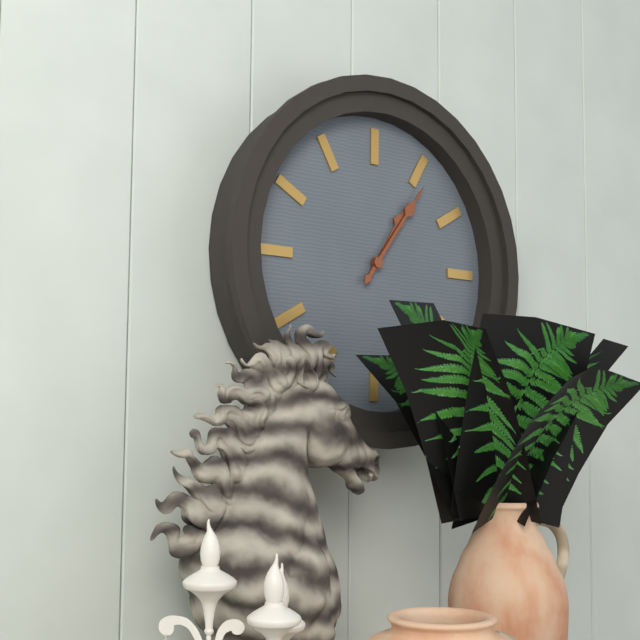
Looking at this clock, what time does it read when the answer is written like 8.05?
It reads 1.06
